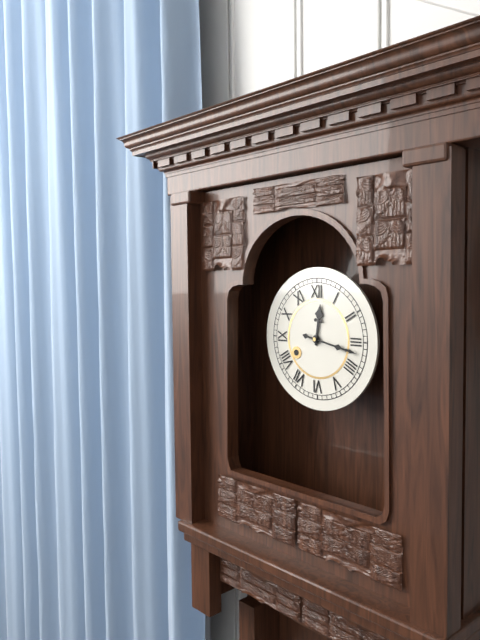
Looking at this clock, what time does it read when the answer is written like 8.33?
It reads 12.17
